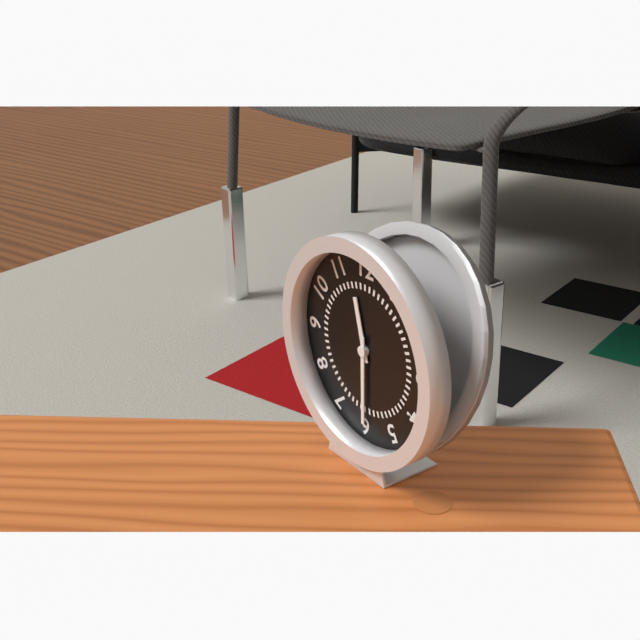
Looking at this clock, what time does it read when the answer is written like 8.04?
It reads 11.30
